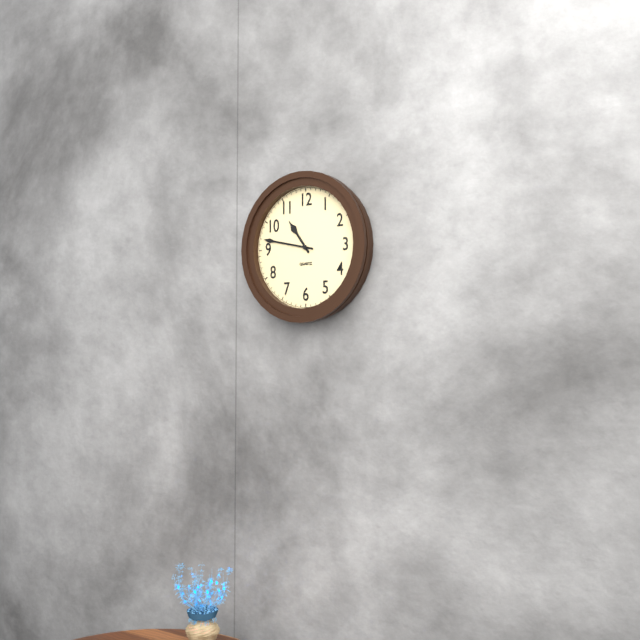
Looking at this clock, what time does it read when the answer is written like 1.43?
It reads 10.47
